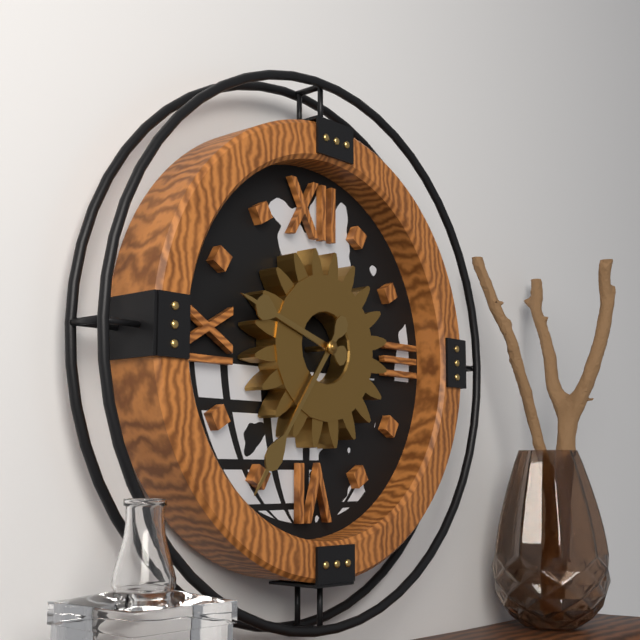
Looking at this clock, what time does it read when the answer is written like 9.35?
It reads 9.36
